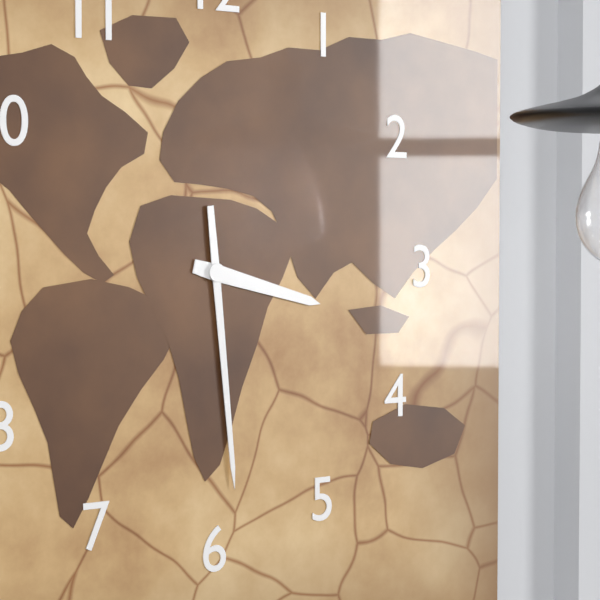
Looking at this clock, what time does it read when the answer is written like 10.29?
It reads 3.29
